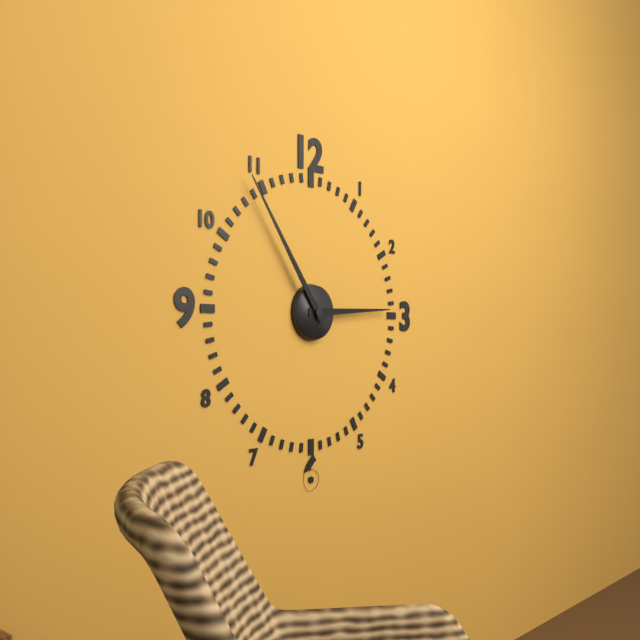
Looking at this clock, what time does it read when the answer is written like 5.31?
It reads 2.54
